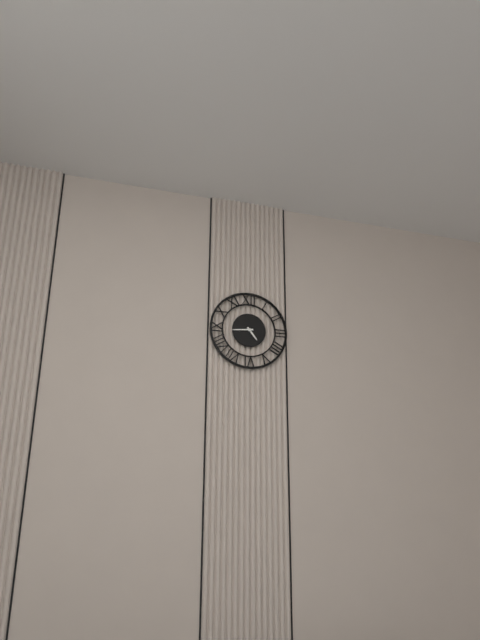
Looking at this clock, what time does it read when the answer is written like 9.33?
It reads 4.44
